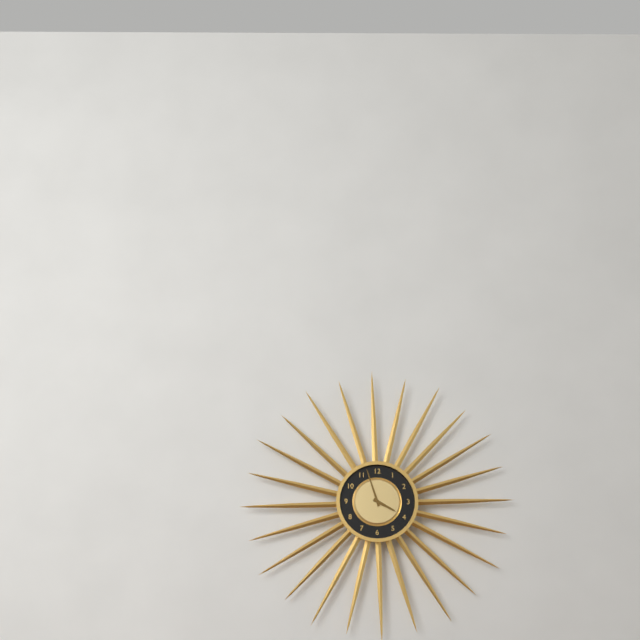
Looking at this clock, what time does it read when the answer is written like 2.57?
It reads 3.57
